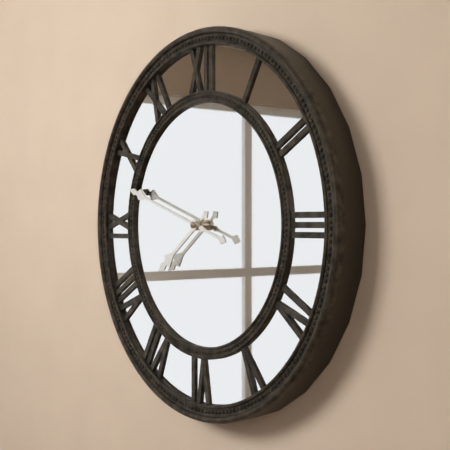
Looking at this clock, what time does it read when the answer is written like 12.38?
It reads 7.48
